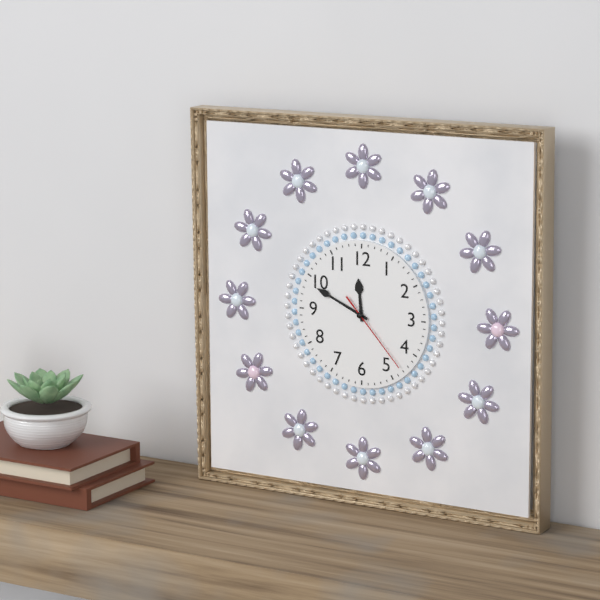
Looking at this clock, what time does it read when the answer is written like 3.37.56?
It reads 11.49.23
